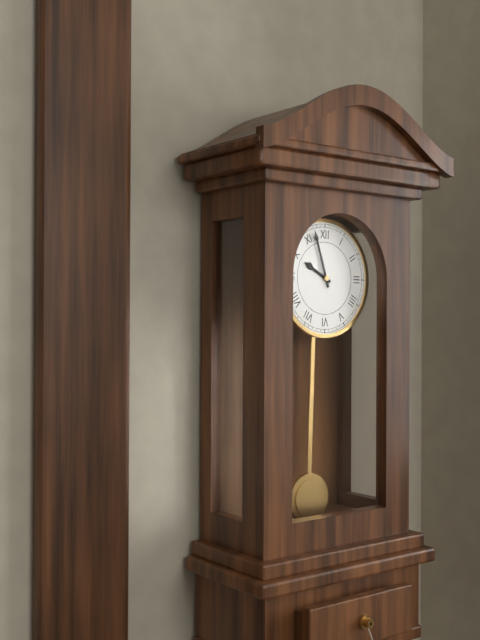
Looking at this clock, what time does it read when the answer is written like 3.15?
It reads 9.57
